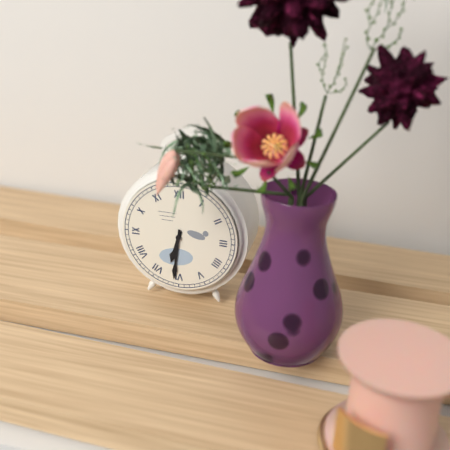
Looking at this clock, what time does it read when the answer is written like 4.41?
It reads 6.31
